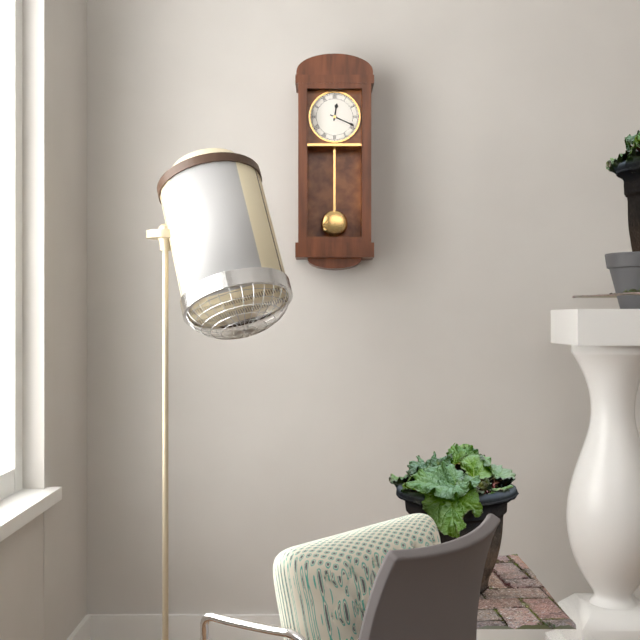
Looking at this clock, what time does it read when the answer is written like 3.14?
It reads 12.19
